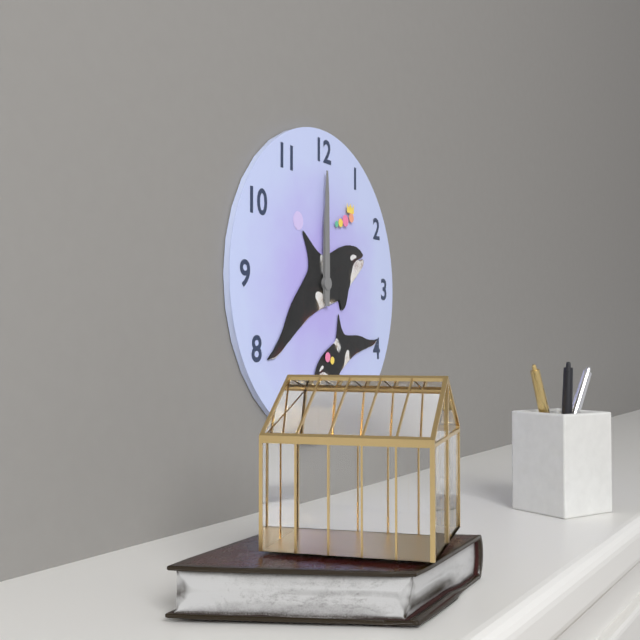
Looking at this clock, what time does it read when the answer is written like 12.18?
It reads 12.00
